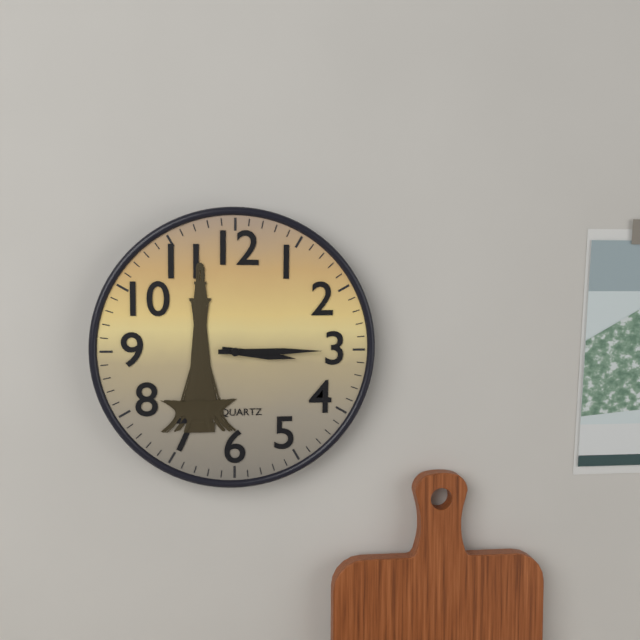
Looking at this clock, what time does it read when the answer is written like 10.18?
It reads 3.15
